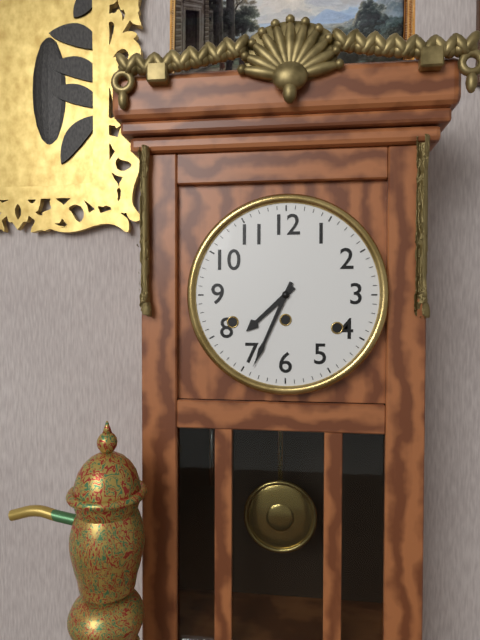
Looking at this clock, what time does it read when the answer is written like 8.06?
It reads 7.34
